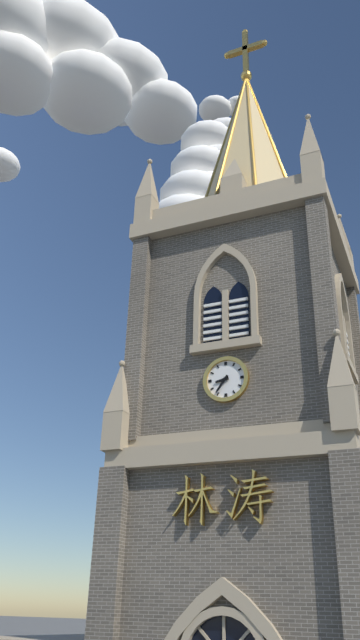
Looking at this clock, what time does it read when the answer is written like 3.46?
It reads 8.36
